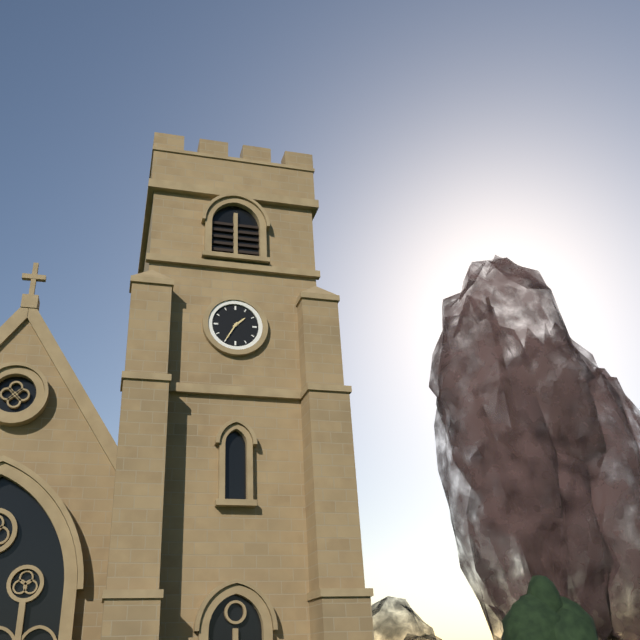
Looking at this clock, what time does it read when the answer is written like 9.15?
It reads 1.35
